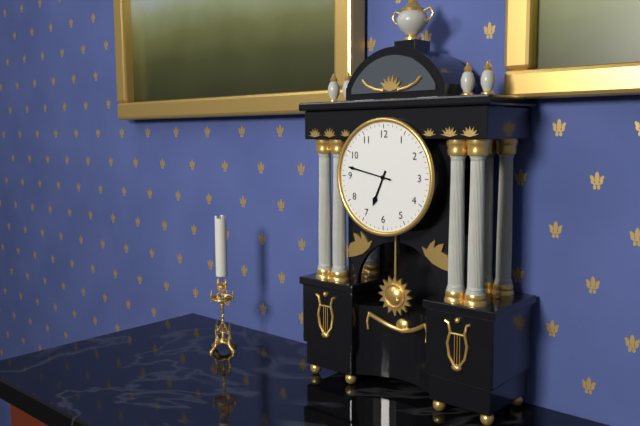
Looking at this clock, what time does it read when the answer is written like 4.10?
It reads 6.47
